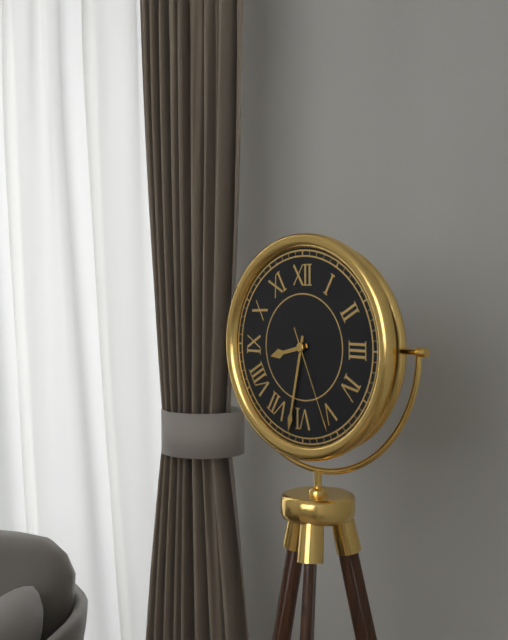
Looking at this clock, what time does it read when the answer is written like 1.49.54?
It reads 8.32.26
